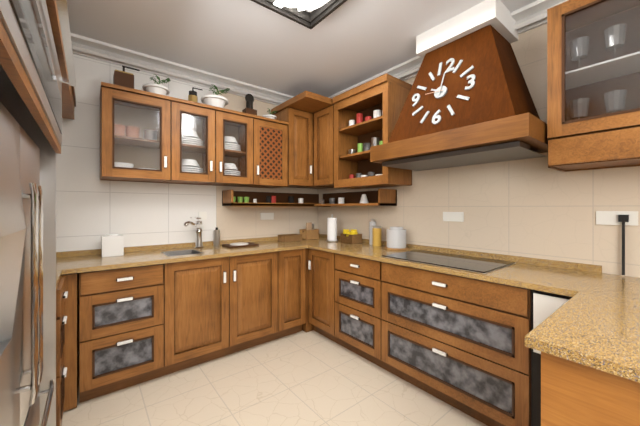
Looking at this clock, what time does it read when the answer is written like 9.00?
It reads 10.01
